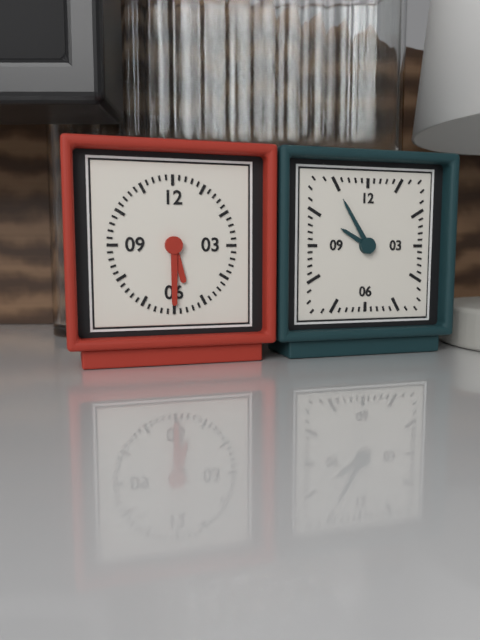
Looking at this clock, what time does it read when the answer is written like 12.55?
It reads 5.30
